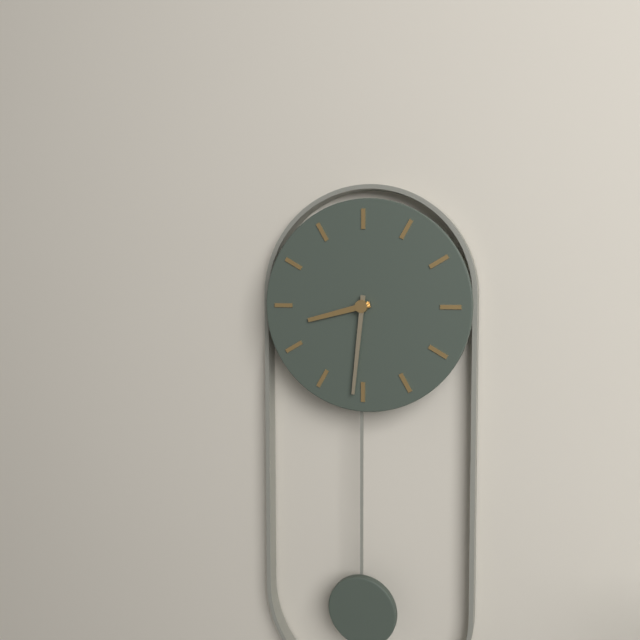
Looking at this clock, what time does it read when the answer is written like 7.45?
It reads 8.31
